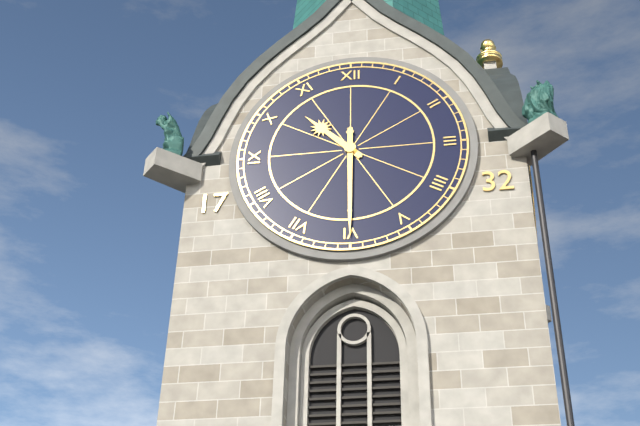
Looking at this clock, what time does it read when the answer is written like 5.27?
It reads 10.30
